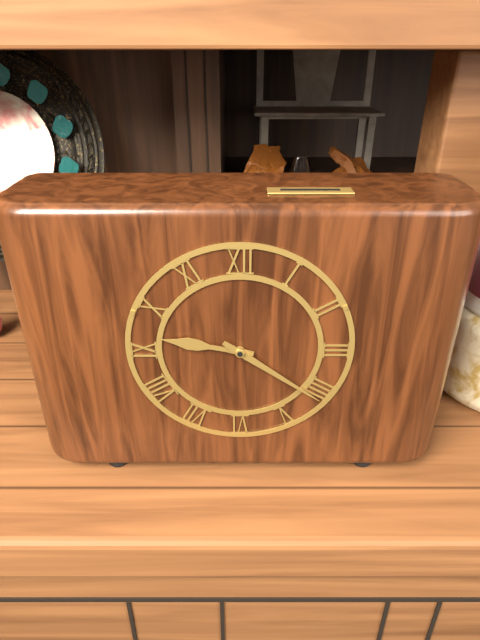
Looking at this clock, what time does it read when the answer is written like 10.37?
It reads 9.21
